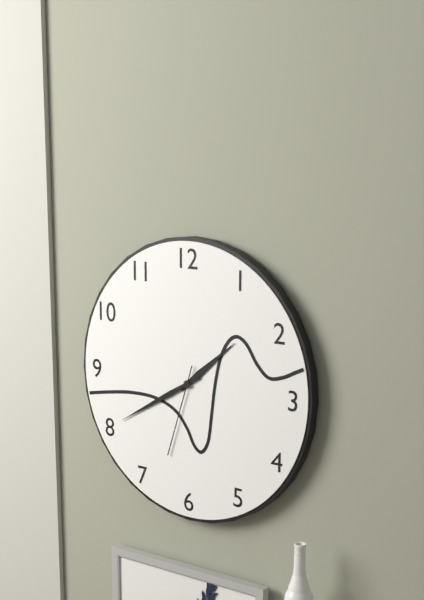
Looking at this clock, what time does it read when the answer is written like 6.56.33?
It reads 1.40.33
